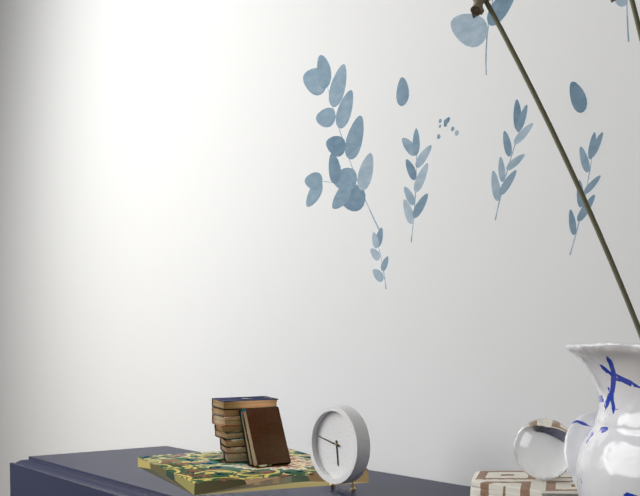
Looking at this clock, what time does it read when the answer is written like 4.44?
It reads 5.47
